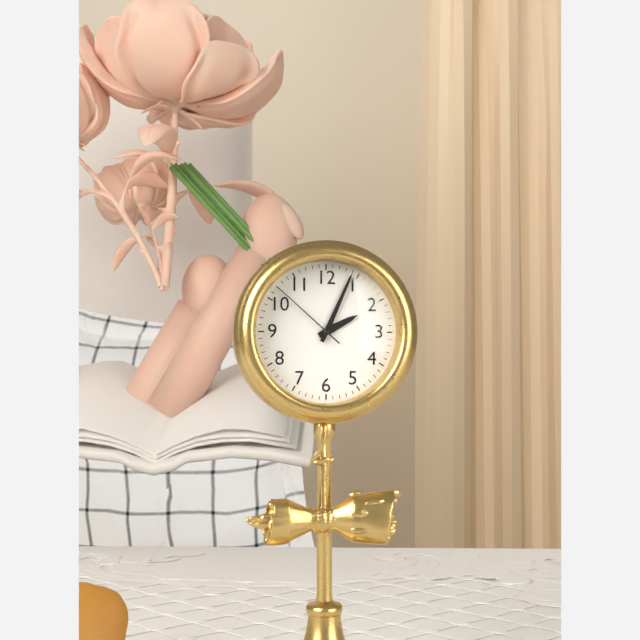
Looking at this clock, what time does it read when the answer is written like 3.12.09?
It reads 2.04.52
